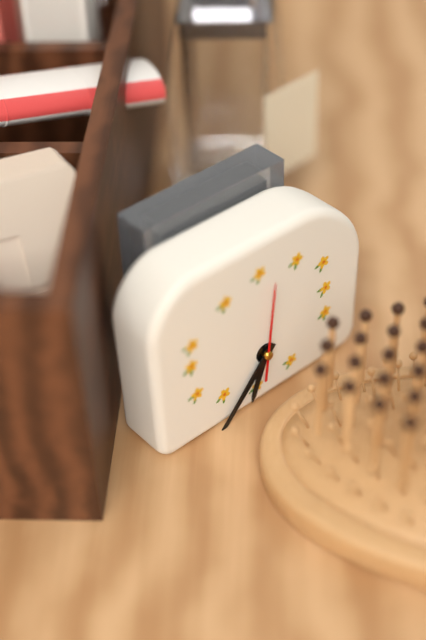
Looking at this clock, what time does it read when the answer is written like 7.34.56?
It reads 6.37.01
